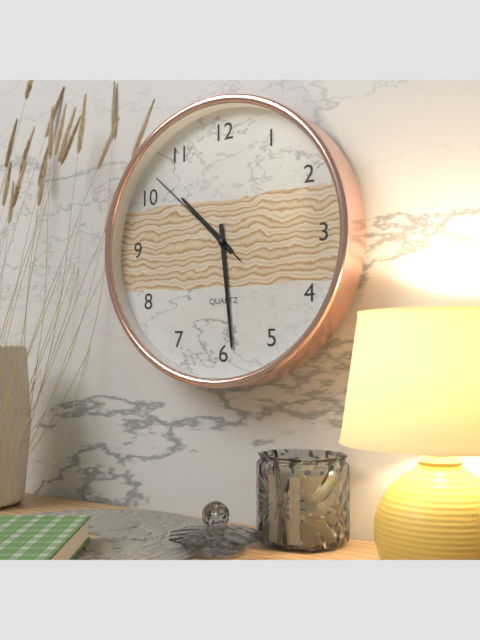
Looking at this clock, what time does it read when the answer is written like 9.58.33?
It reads 10.29.52
